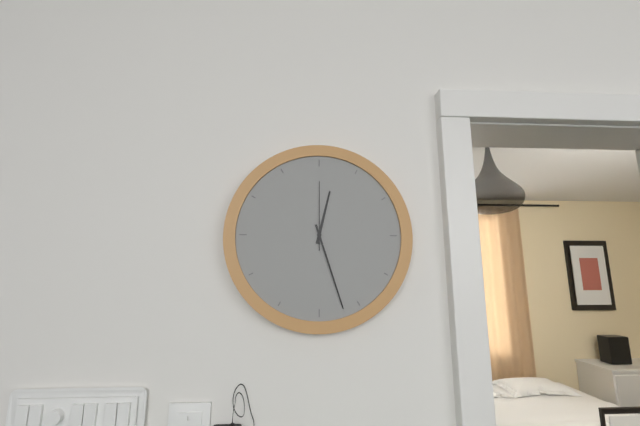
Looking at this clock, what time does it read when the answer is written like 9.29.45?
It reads 12.27.00
